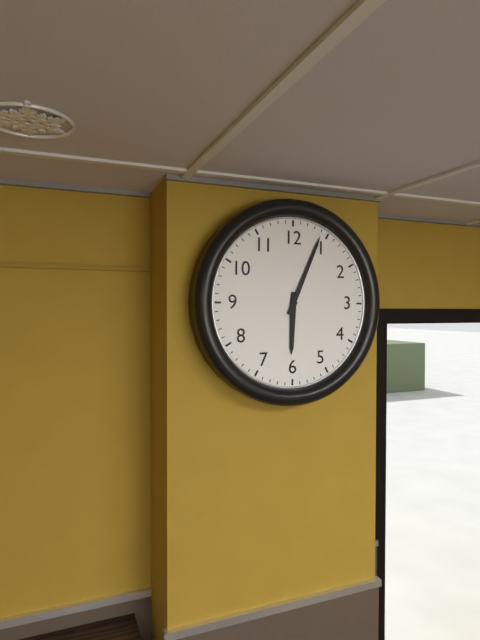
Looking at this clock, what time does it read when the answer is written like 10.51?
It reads 6.04
